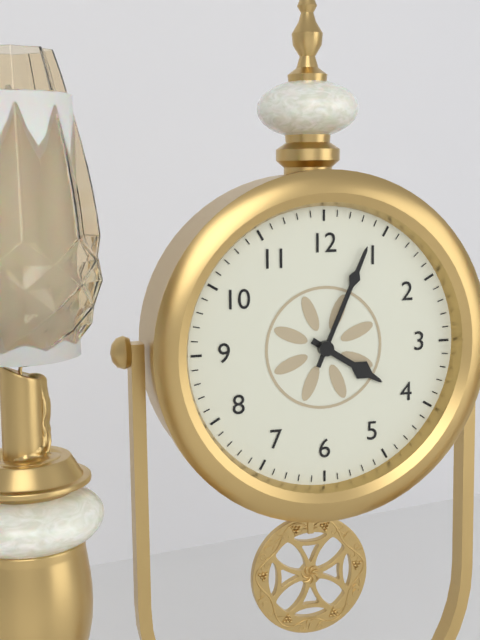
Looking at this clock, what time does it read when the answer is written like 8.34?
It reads 4.04
